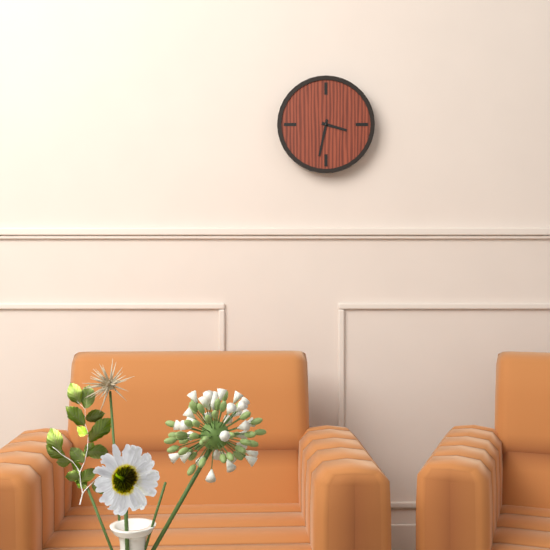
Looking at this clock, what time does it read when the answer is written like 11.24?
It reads 3.32
